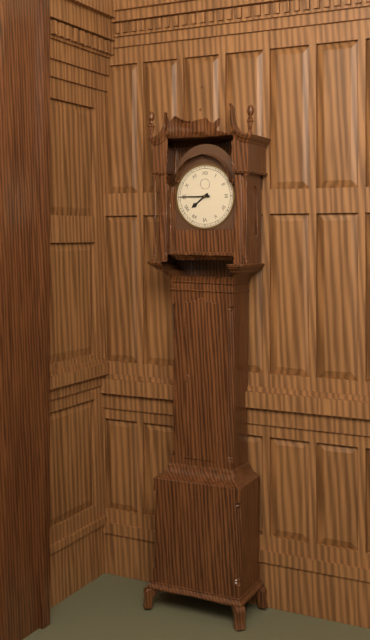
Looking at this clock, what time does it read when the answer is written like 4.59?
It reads 7.45
